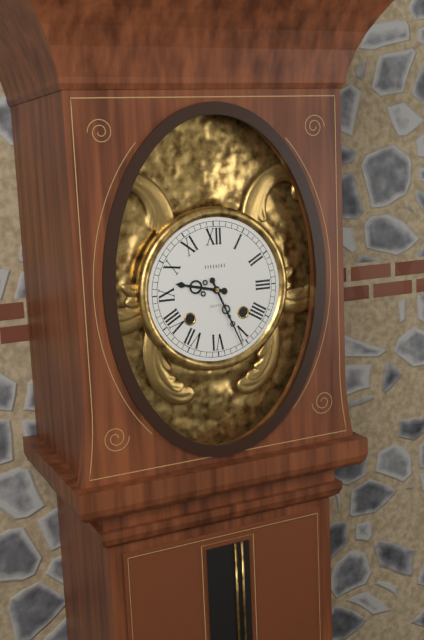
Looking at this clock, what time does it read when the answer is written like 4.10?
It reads 9.26
